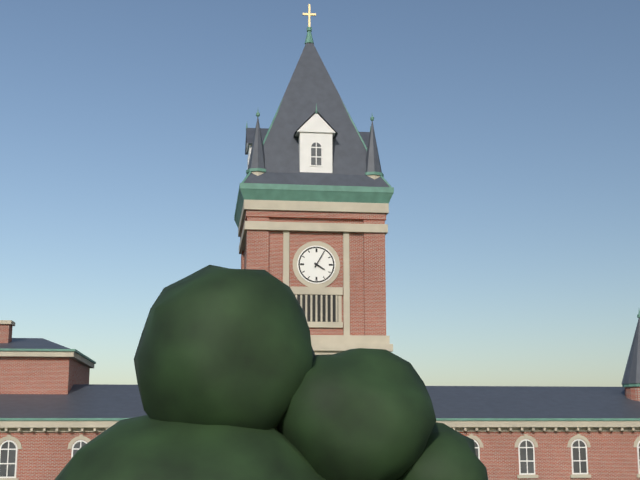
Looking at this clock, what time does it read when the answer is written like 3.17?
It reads 4.05
